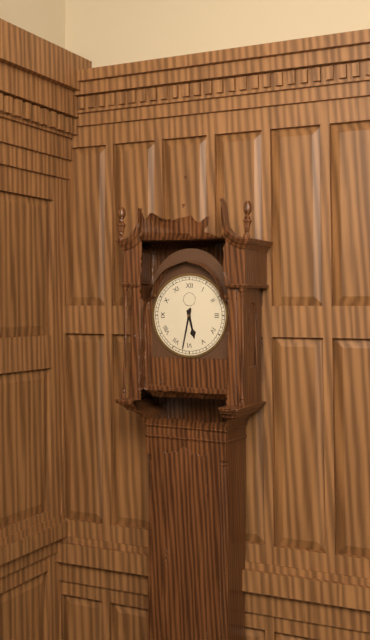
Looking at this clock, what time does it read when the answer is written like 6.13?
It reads 5.32
